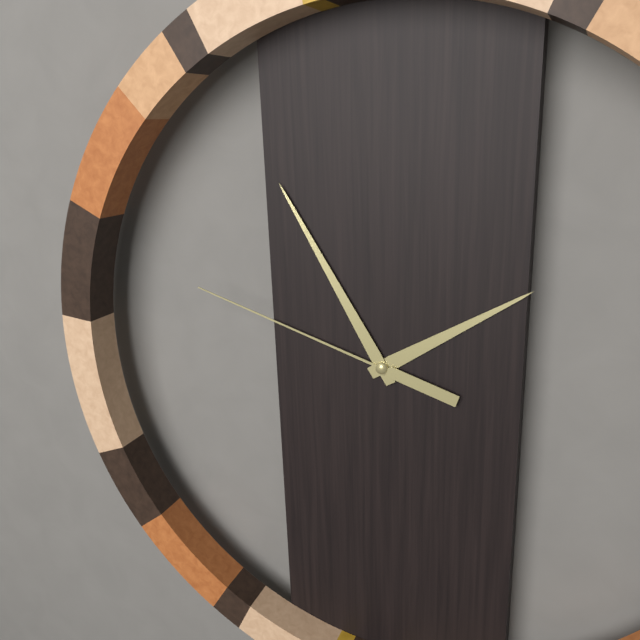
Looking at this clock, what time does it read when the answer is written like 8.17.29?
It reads 1.55.48
